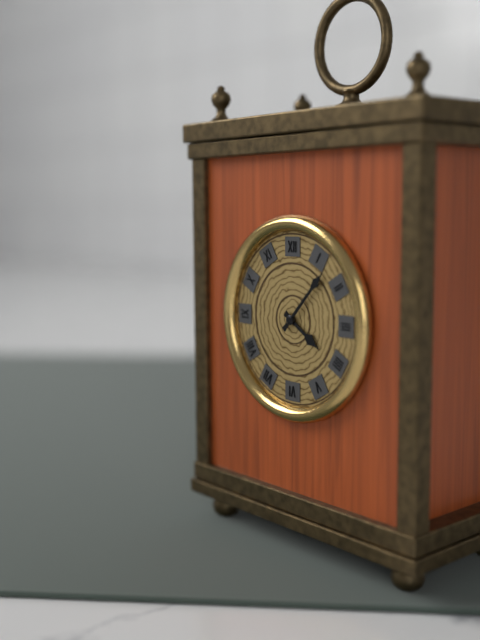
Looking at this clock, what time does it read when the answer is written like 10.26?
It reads 4.07
